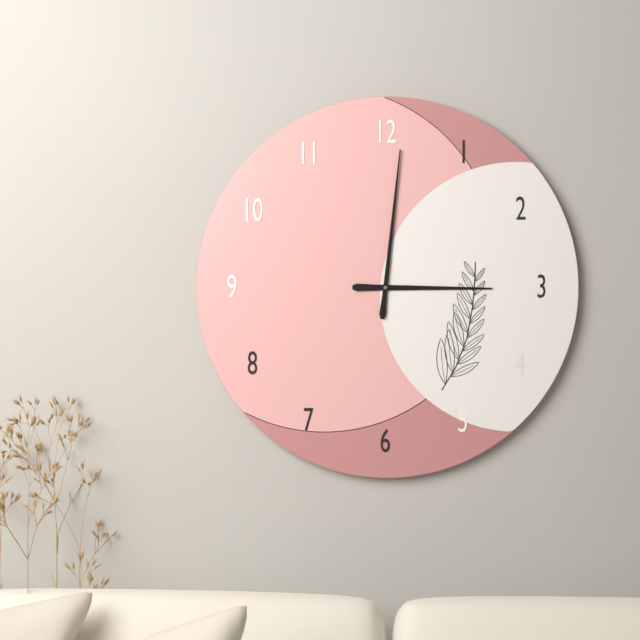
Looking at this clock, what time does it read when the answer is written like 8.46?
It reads 3.01
